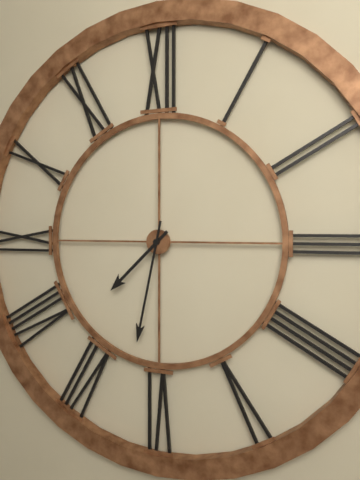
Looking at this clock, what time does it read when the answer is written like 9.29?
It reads 7.32
